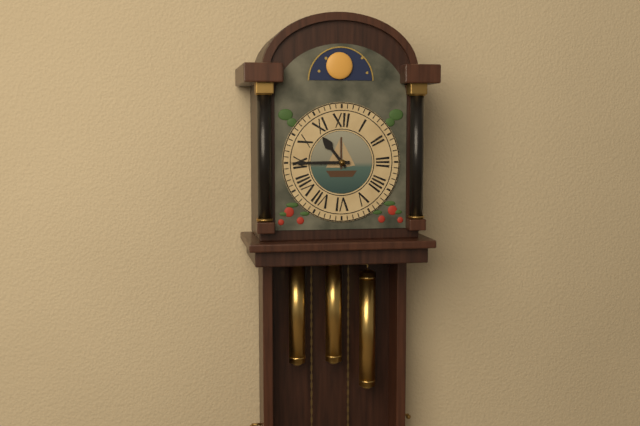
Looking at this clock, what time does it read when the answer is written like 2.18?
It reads 10.45
